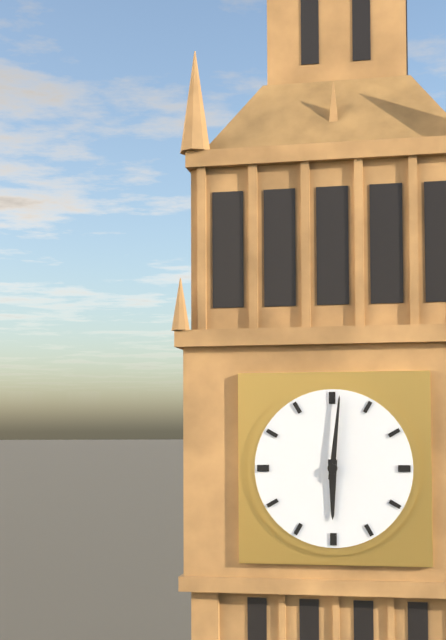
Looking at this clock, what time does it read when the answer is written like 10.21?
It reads 6.01
